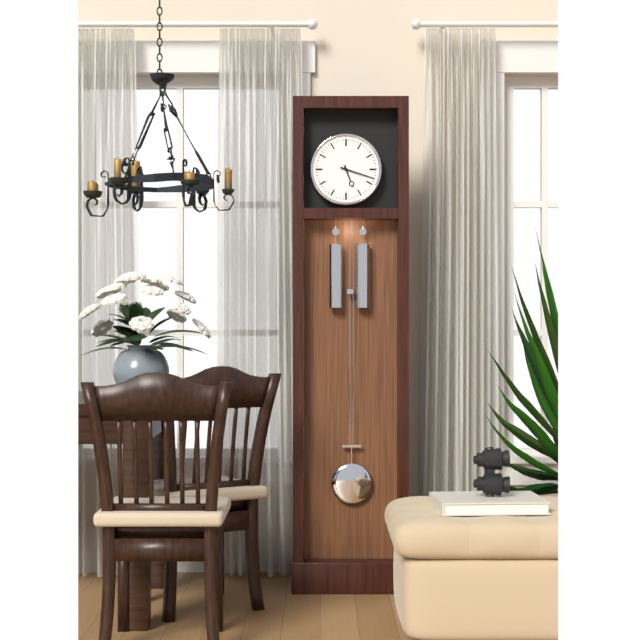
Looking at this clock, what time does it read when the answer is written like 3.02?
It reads 5.18
